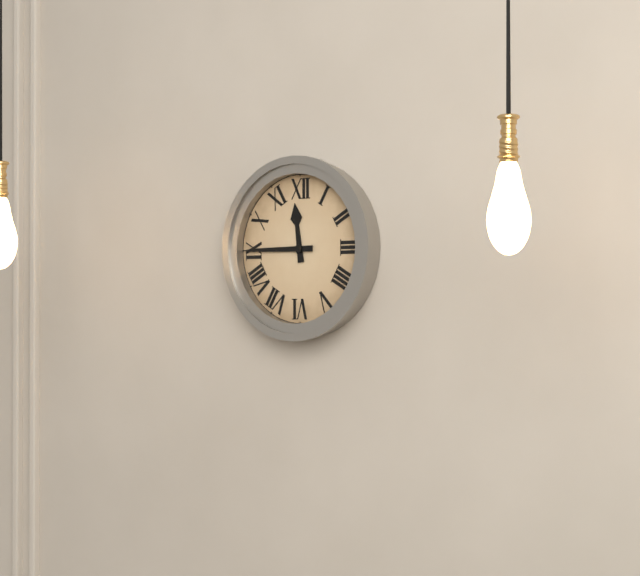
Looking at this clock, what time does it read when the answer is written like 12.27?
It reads 11.45
